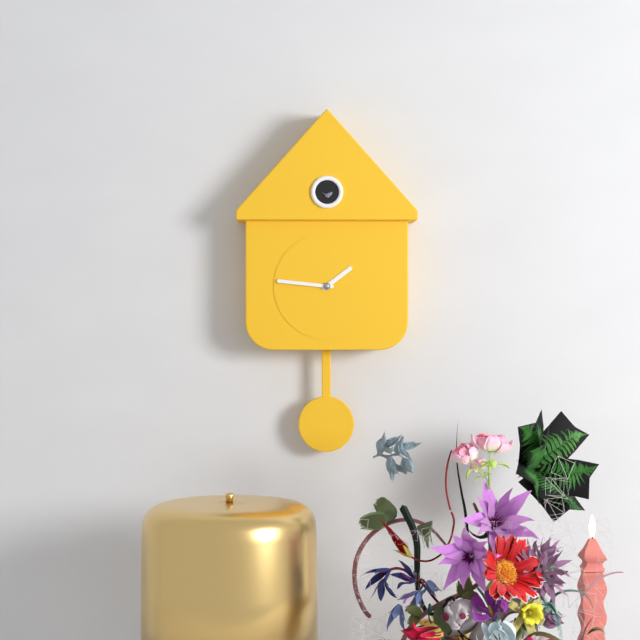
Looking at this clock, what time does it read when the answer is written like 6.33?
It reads 1.46
